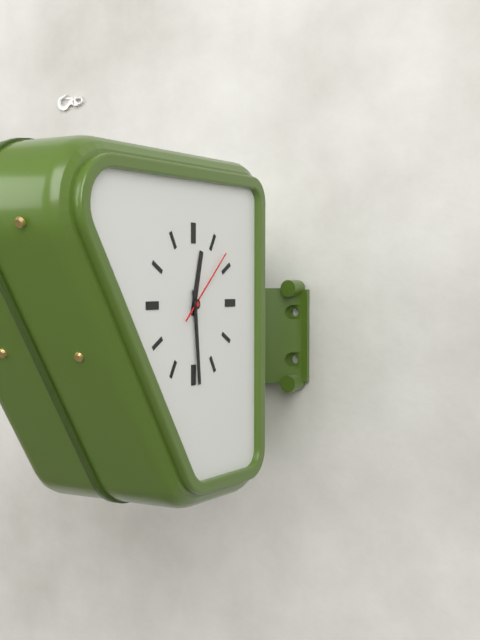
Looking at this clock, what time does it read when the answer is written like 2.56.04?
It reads 12.29.08
